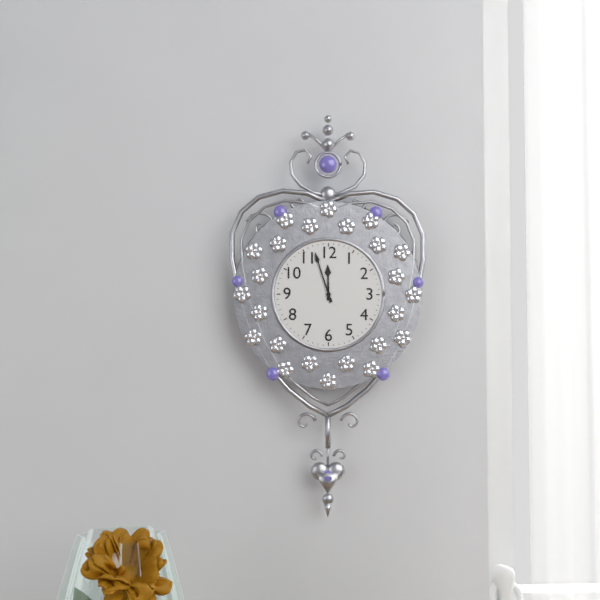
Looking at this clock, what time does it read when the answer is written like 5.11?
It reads 11.57
